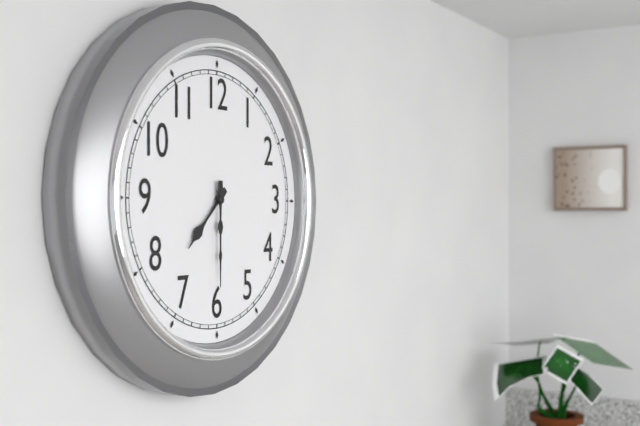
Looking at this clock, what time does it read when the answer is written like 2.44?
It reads 7.30
